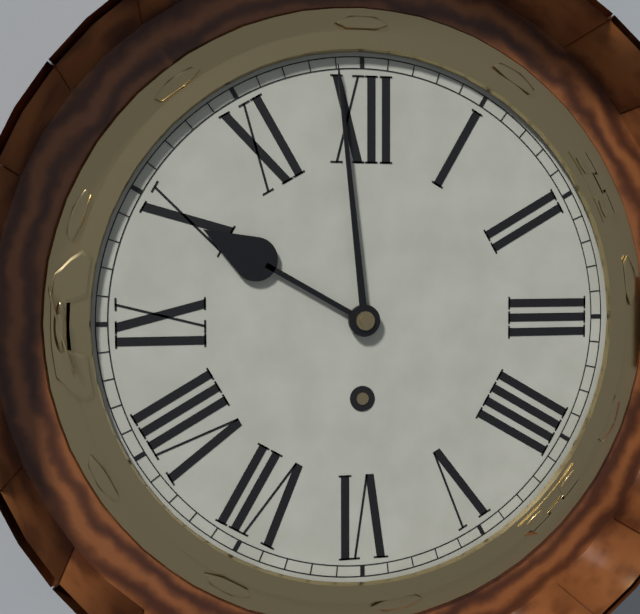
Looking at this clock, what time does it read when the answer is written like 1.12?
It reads 9.59
